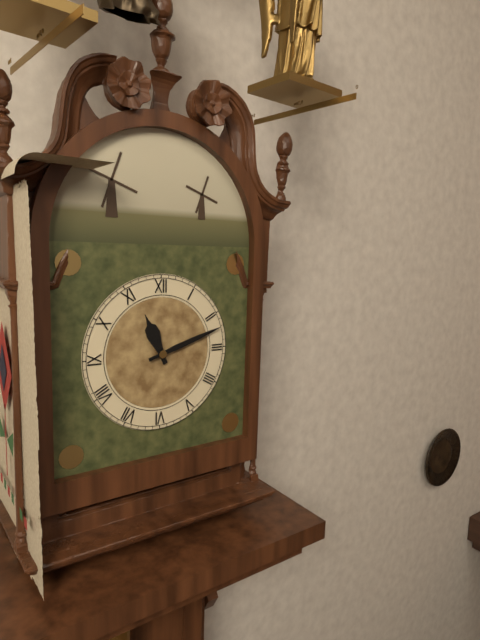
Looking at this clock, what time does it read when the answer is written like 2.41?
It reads 11.12
